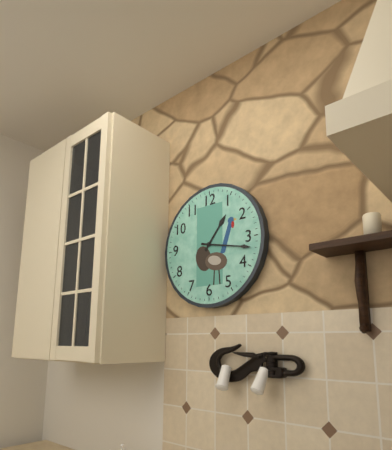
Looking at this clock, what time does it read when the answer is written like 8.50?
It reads 1.17
